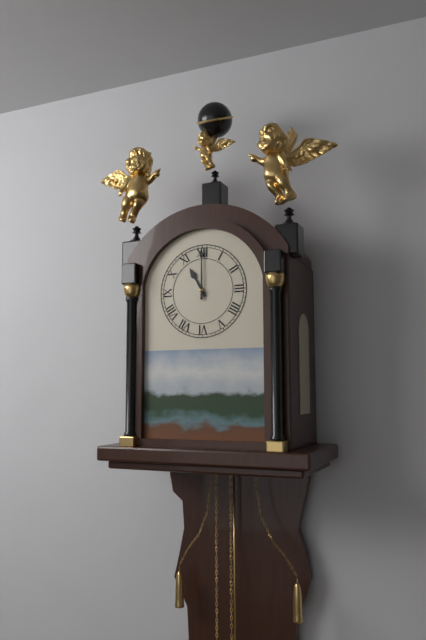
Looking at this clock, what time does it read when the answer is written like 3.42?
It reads 11.00
